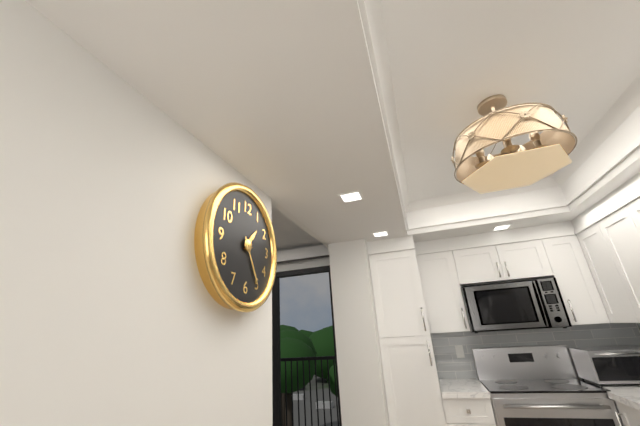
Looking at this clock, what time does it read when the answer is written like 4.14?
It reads 1.25
